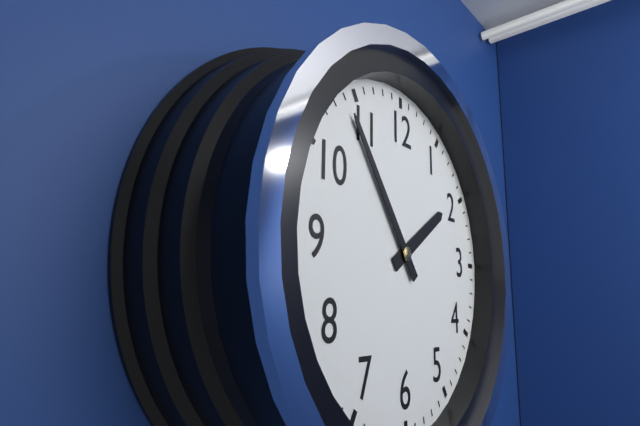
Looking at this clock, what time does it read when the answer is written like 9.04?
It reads 1.54
